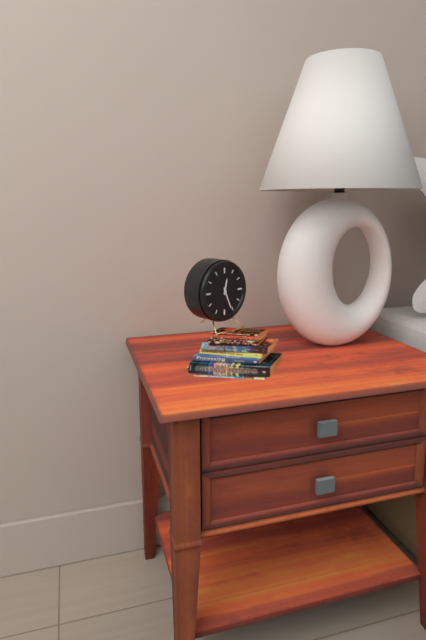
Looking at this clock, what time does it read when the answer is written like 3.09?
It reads 12.26
